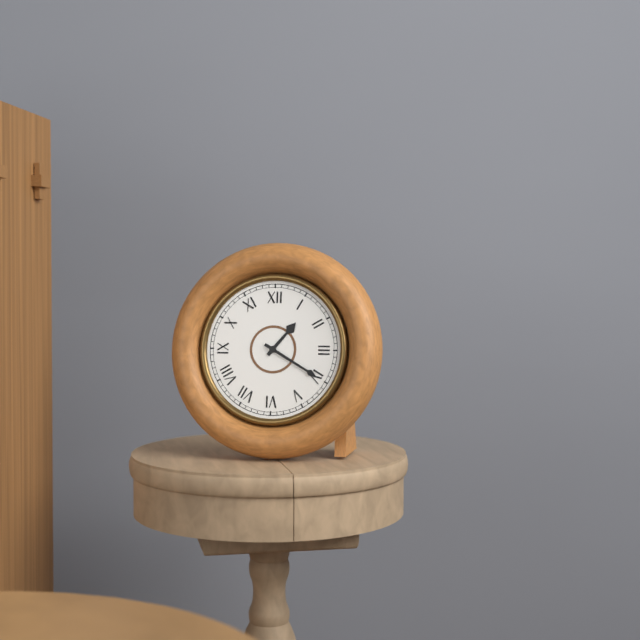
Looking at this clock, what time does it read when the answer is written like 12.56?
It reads 1.20
